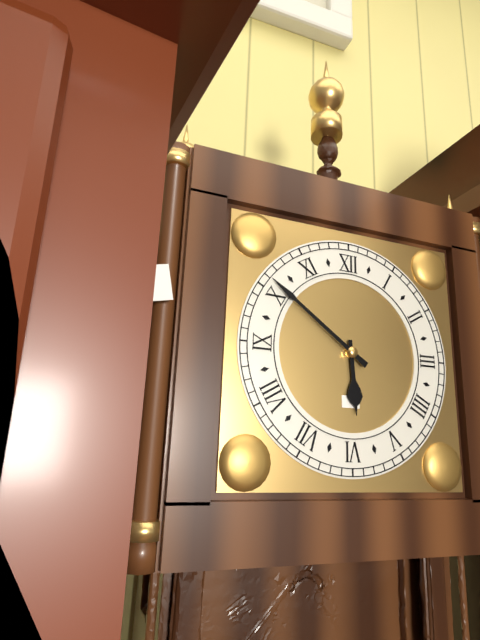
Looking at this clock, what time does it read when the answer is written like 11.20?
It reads 5.51
